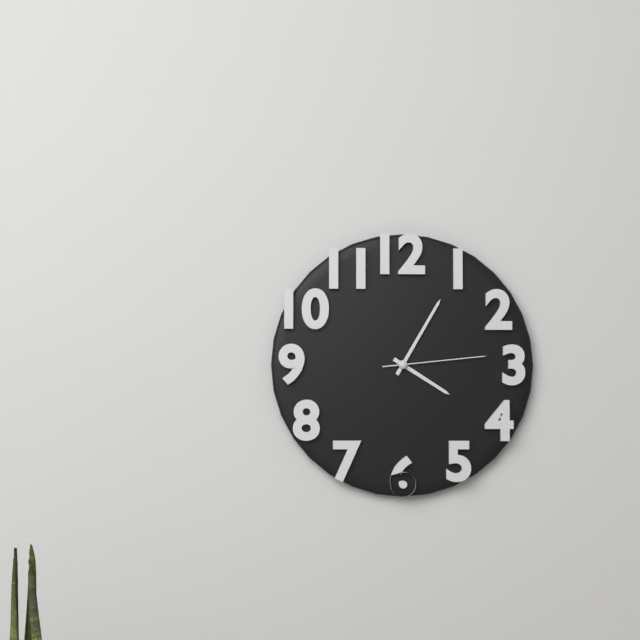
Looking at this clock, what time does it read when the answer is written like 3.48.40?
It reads 4.05.14
